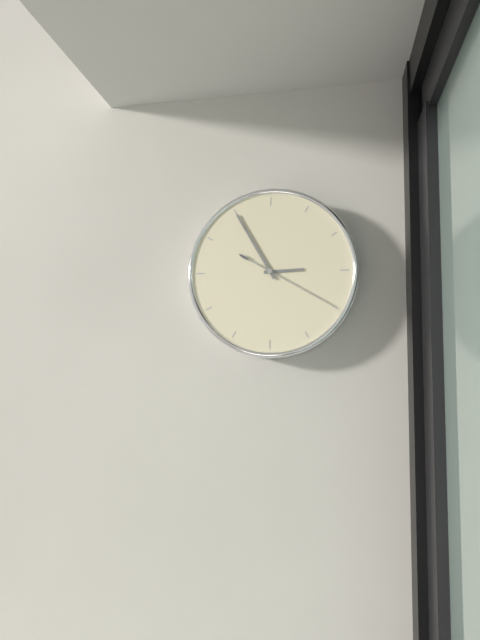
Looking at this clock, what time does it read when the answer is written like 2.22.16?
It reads 2.55.20
